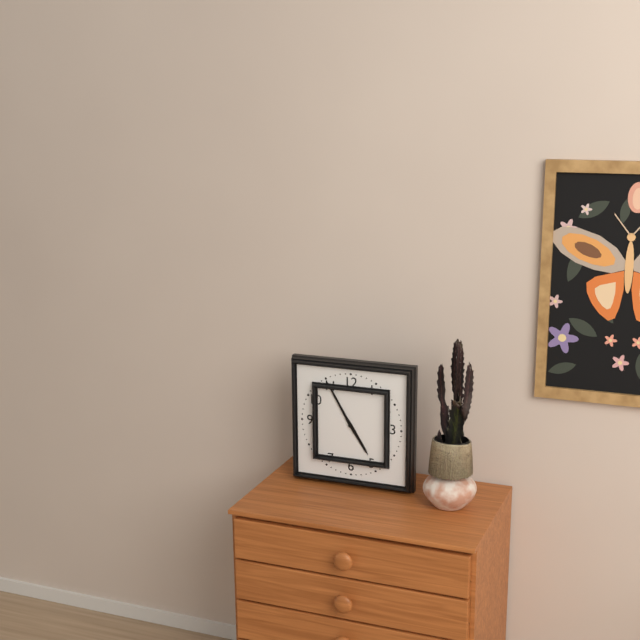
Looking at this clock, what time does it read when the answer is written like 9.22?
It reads 4.55
